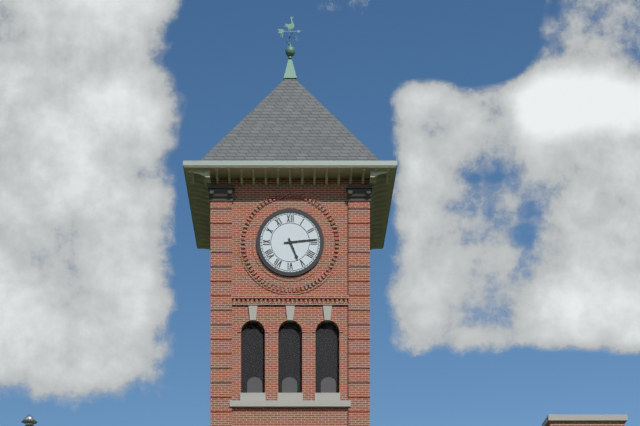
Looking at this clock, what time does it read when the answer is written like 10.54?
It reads 5.14
